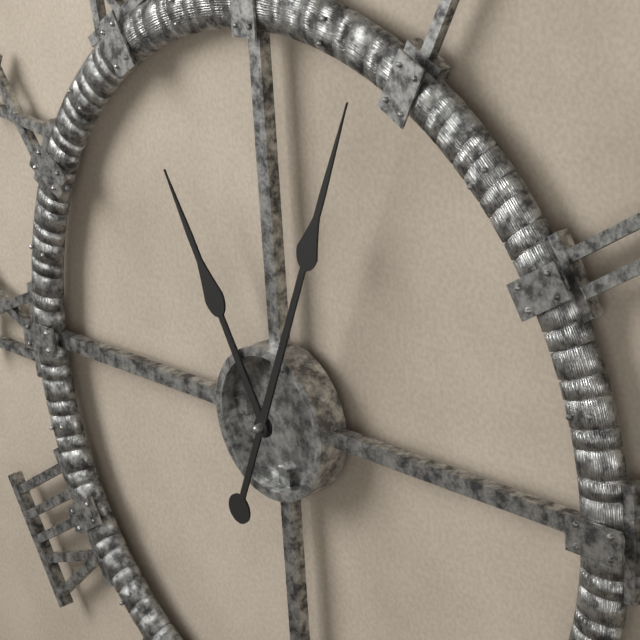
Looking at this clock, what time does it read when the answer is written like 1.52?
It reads 11.04
